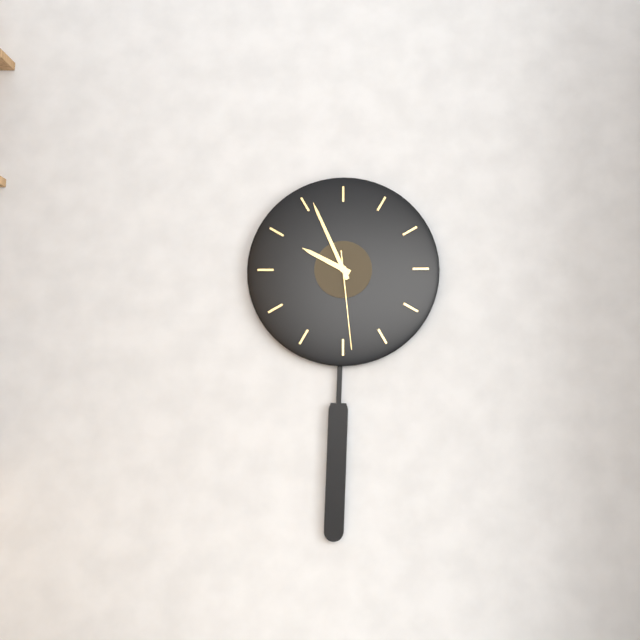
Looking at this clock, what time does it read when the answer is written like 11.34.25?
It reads 9.56.29
